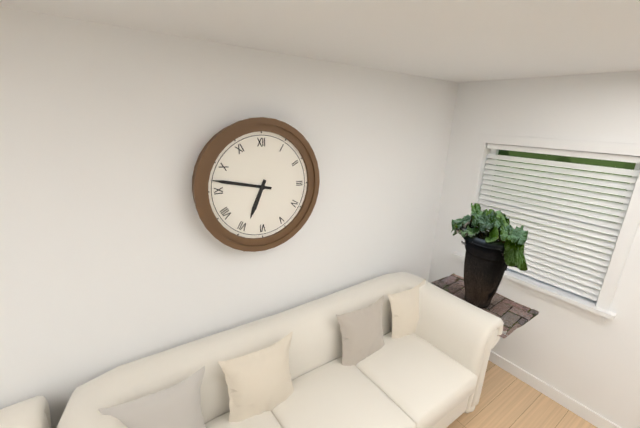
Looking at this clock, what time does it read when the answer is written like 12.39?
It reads 6.47
